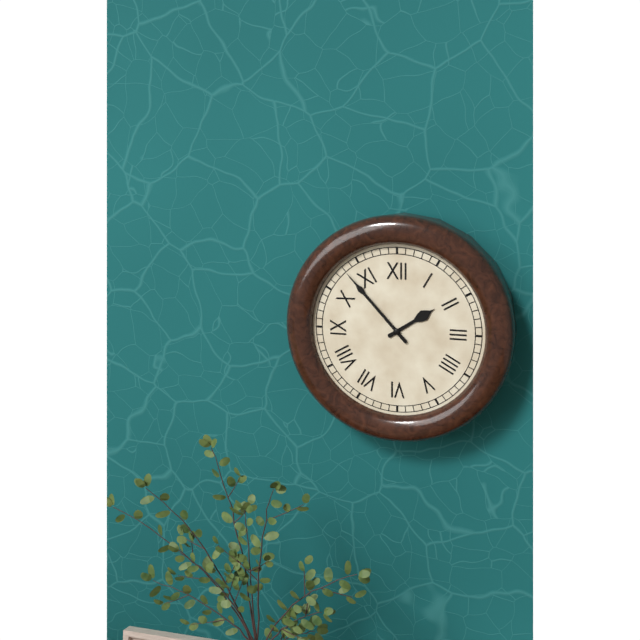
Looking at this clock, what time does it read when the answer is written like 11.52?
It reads 1.53
